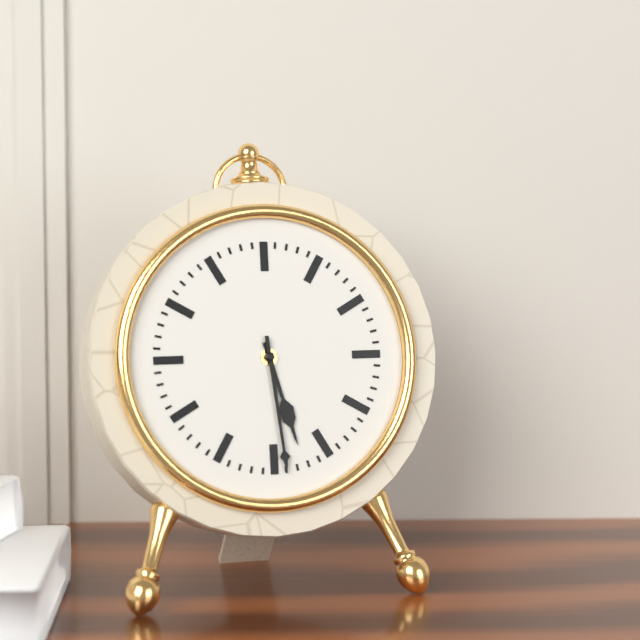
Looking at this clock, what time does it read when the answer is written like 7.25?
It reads 5.29
